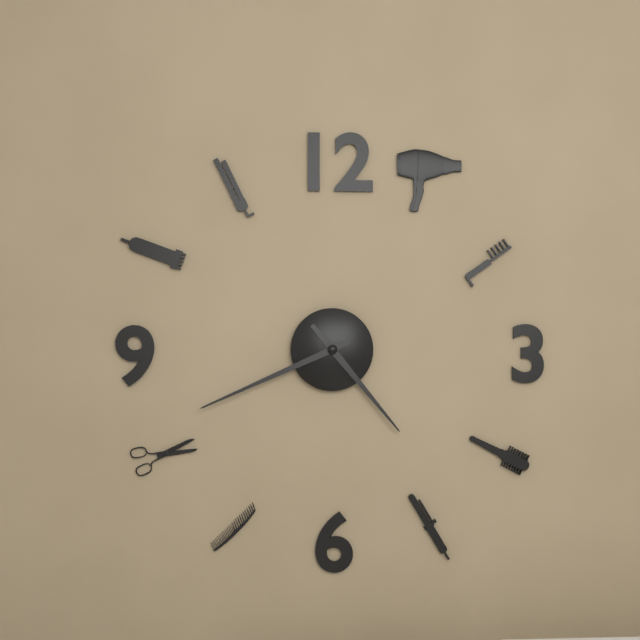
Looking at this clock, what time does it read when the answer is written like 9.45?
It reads 4.41
